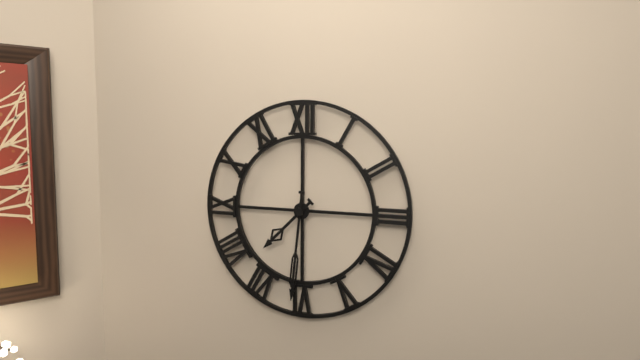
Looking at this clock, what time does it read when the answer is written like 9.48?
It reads 7.31
